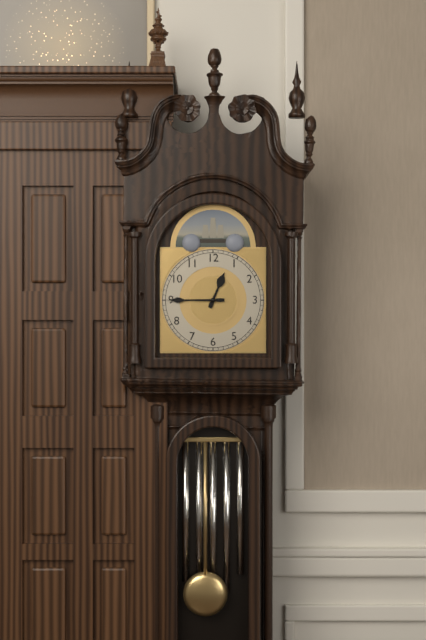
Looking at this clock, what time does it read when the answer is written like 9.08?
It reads 12.45
